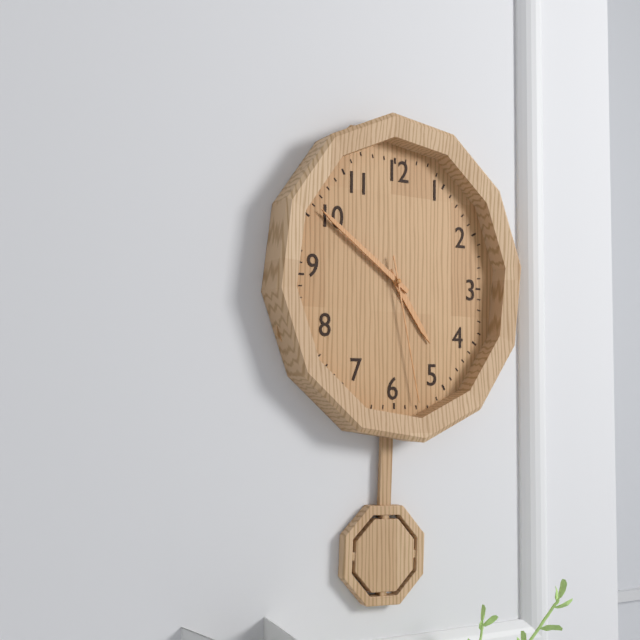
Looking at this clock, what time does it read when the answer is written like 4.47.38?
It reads 4.51.28
